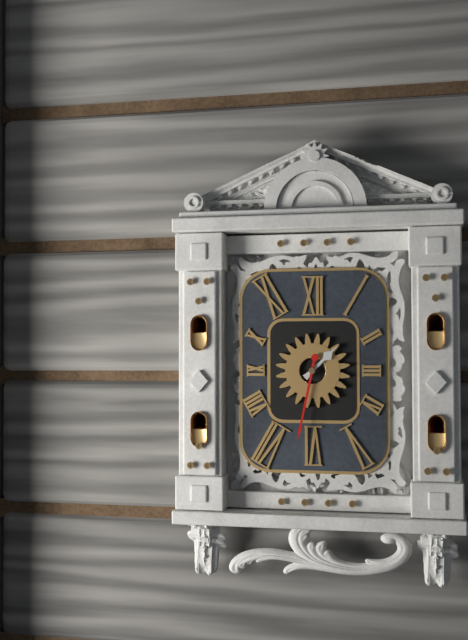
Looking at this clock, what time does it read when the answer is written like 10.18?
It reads 1.32
